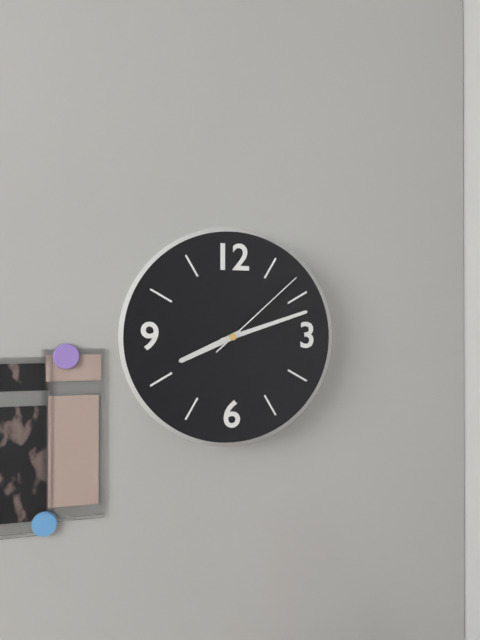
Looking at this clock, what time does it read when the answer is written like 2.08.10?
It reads 8.12.08
